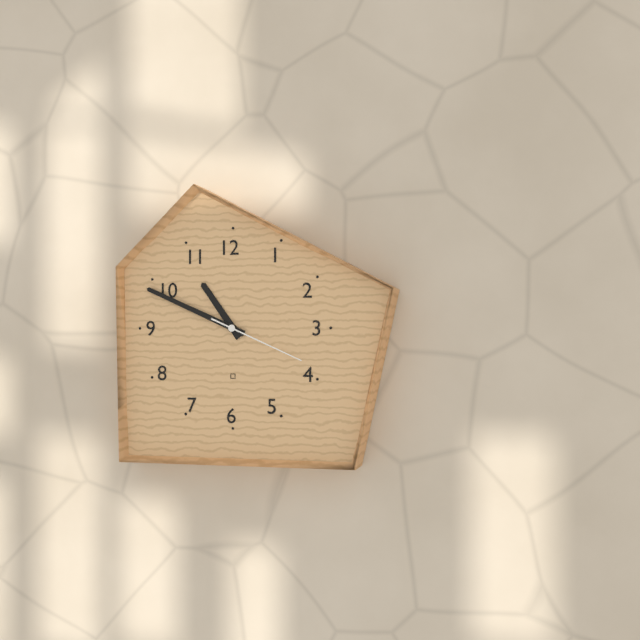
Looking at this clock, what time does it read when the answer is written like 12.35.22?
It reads 10.49.19
